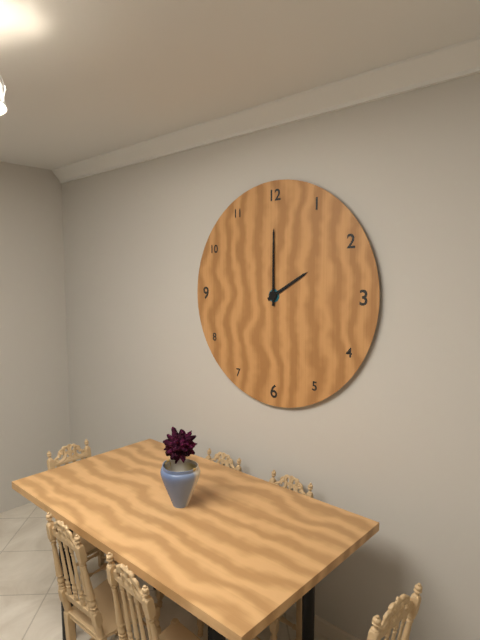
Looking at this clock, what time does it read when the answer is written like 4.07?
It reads 2.00
